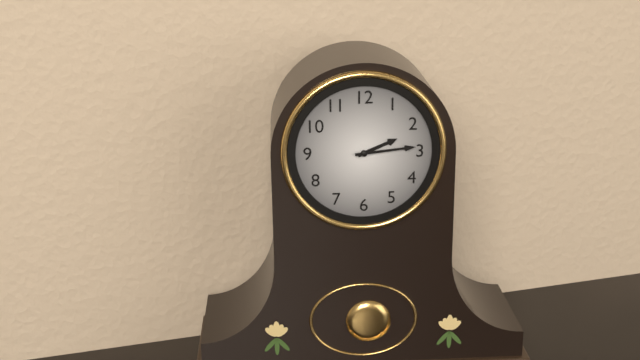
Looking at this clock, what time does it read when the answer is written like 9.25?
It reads 2.14
